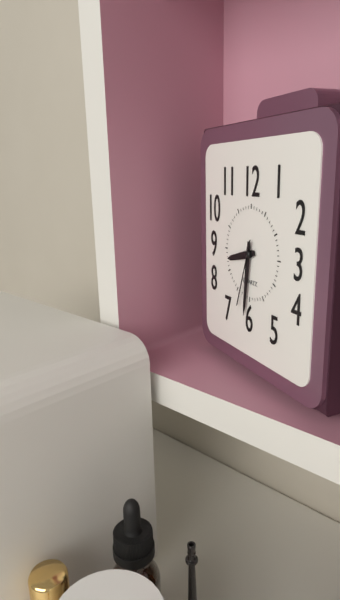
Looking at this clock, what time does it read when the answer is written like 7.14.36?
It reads 8.31.33
